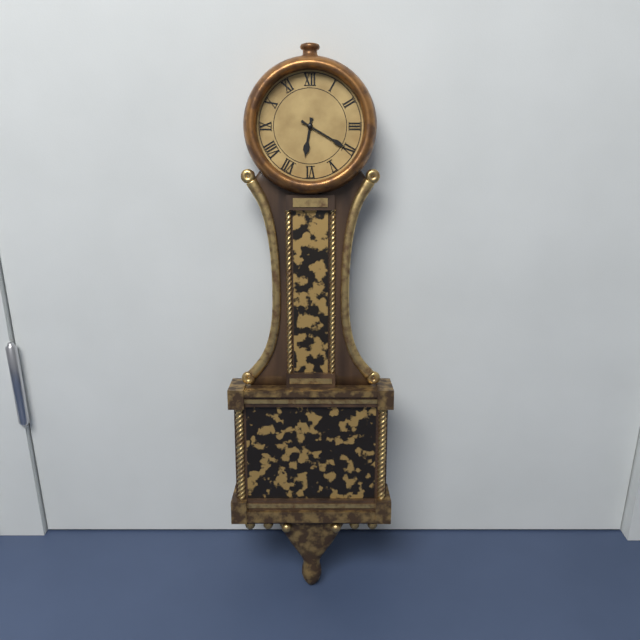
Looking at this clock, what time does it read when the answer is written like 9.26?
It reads 6.20
